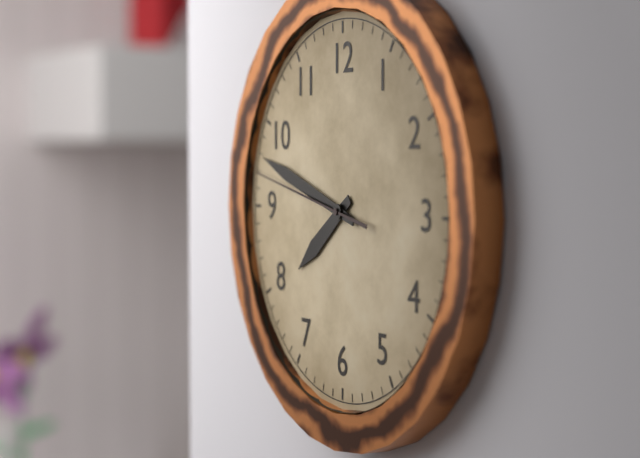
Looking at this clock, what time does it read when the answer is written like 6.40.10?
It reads 7.48.47
